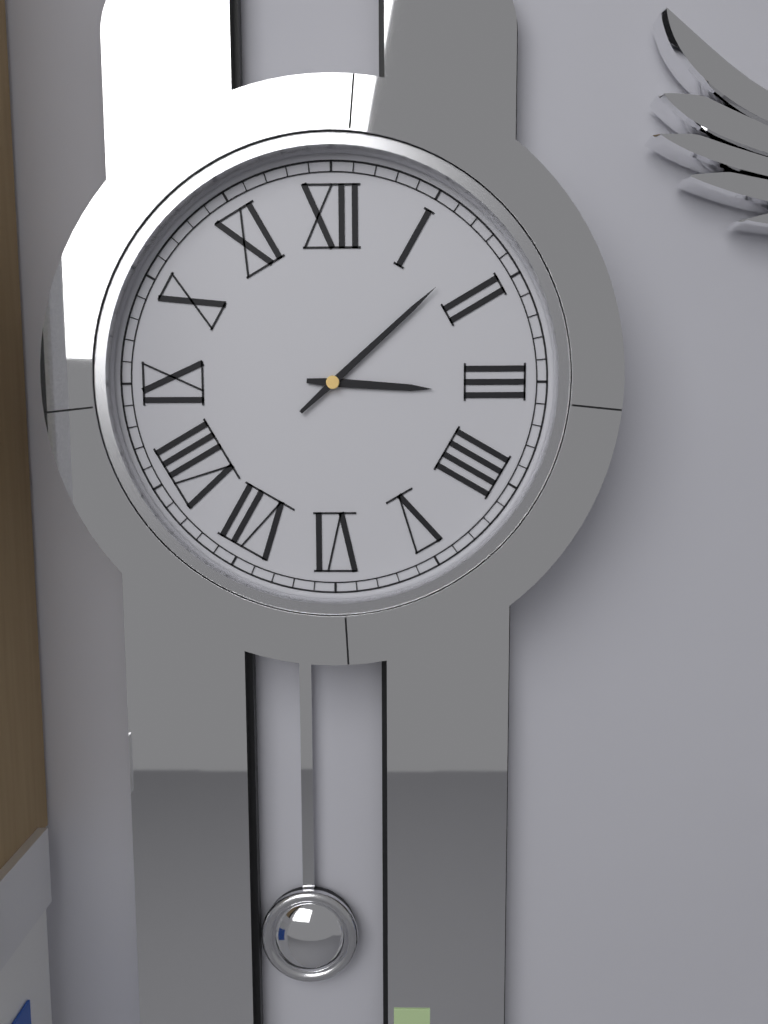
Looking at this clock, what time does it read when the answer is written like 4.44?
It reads 3.08
